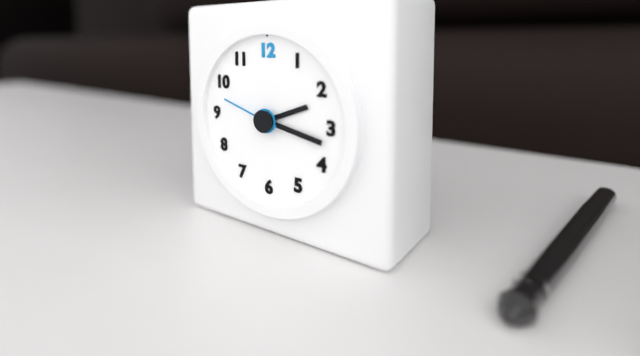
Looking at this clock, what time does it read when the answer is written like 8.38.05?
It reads 2.17.48
